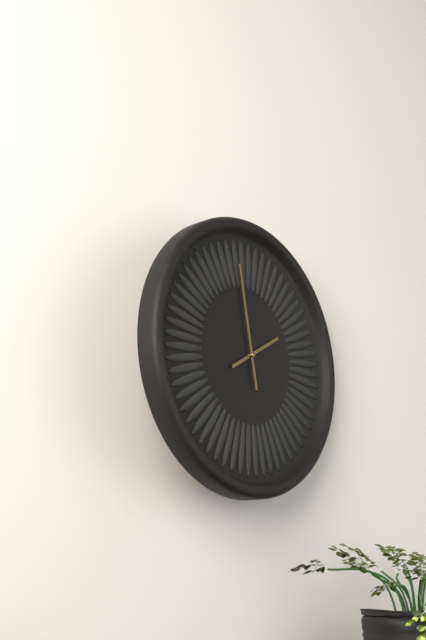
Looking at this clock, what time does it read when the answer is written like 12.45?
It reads 1.58
